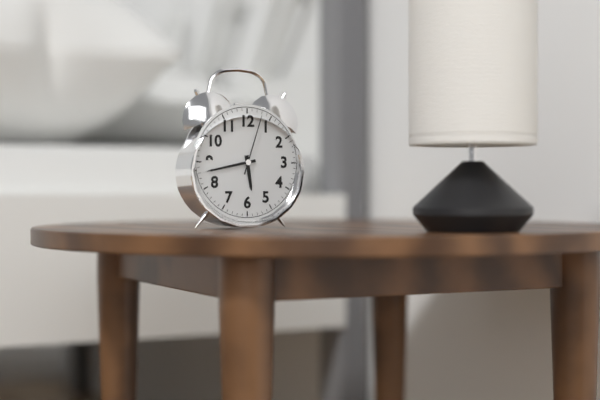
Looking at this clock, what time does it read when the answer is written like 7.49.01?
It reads 5.43.03
